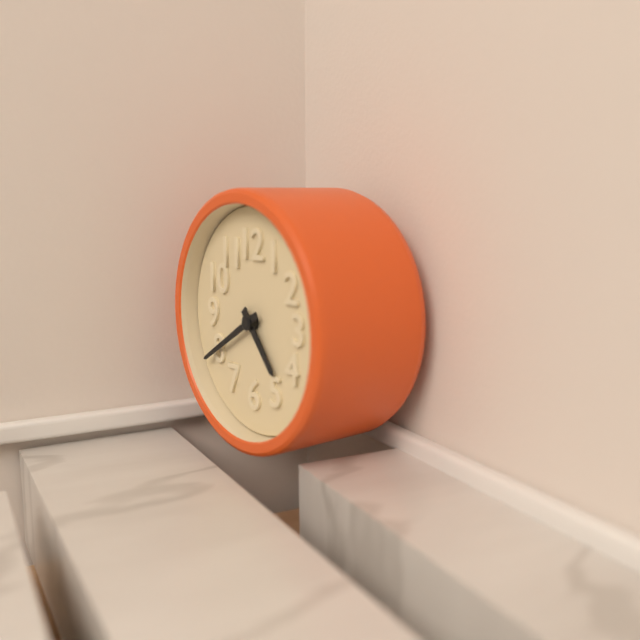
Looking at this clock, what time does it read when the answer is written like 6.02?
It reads 4.40
